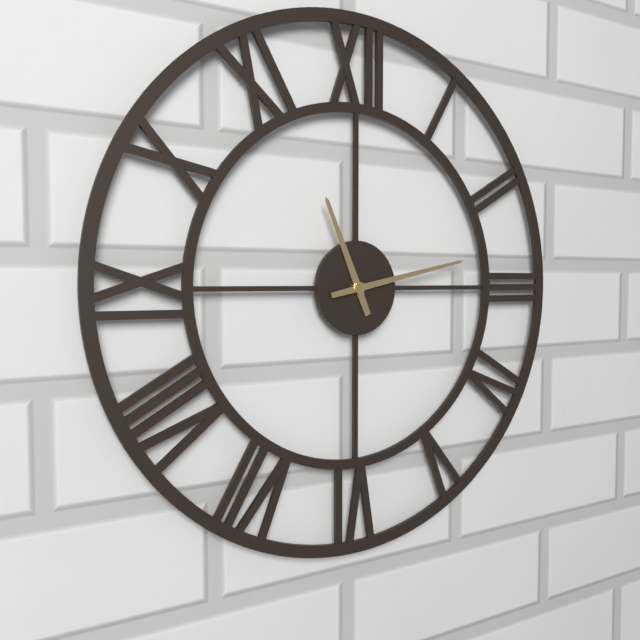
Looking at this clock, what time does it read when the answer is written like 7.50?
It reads 11.13
